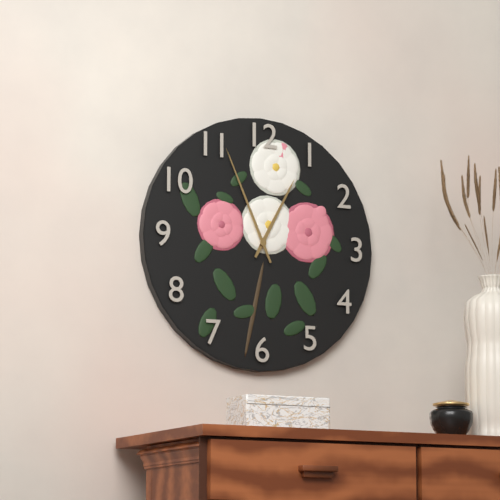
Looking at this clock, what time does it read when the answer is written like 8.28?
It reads 12.56
